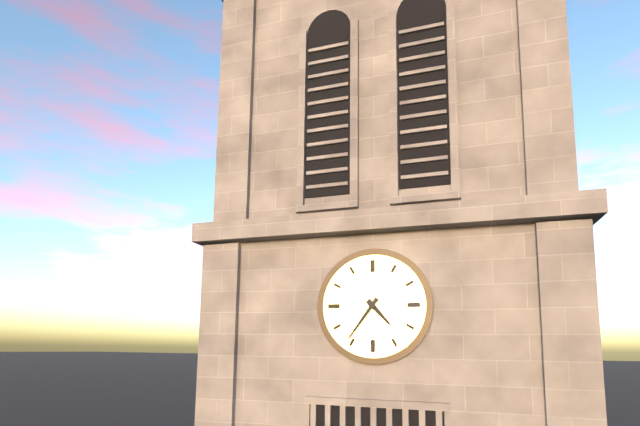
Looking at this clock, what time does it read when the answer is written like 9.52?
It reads 4.36
